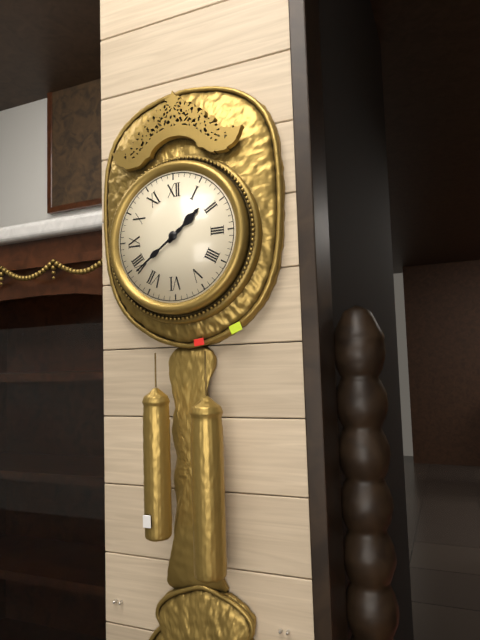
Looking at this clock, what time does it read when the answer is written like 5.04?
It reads 1.39
